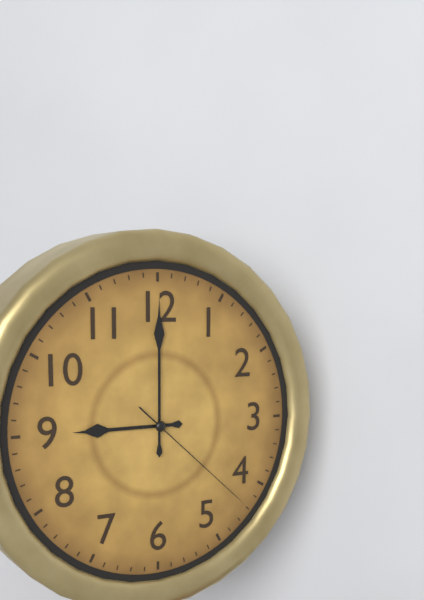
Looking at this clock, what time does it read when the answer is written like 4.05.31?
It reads 9.00.22
